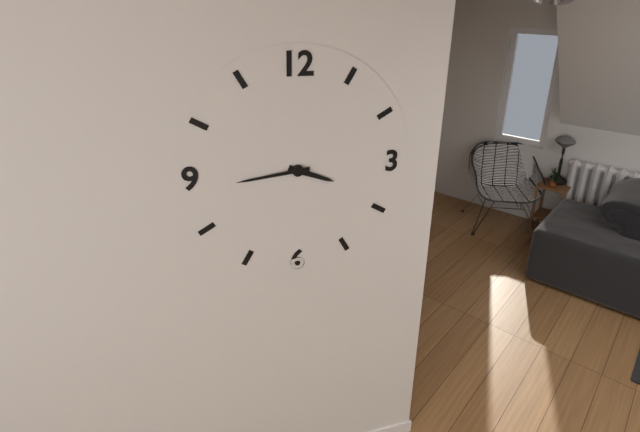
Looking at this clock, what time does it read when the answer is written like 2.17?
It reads 3.44
